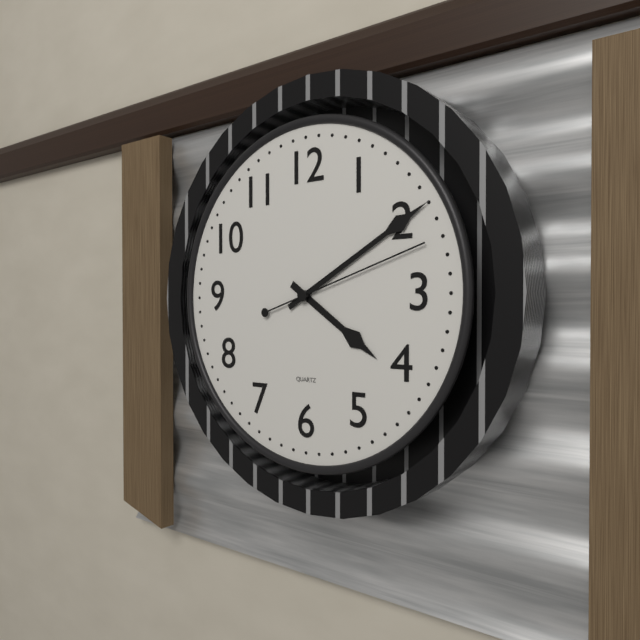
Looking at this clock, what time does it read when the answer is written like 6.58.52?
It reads 4.10.12
